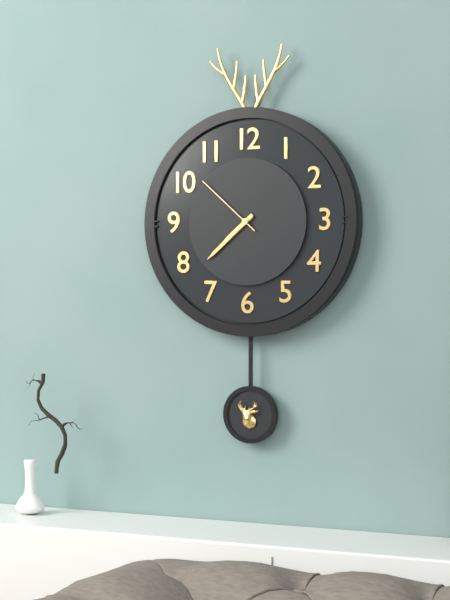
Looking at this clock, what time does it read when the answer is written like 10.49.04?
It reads 7.38.52
